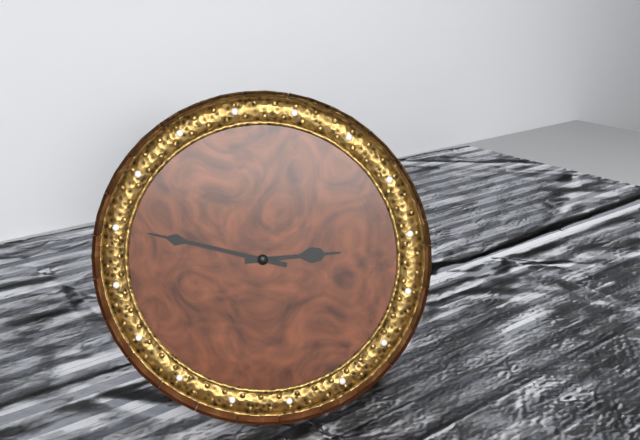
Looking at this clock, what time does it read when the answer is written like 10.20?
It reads 2.47
